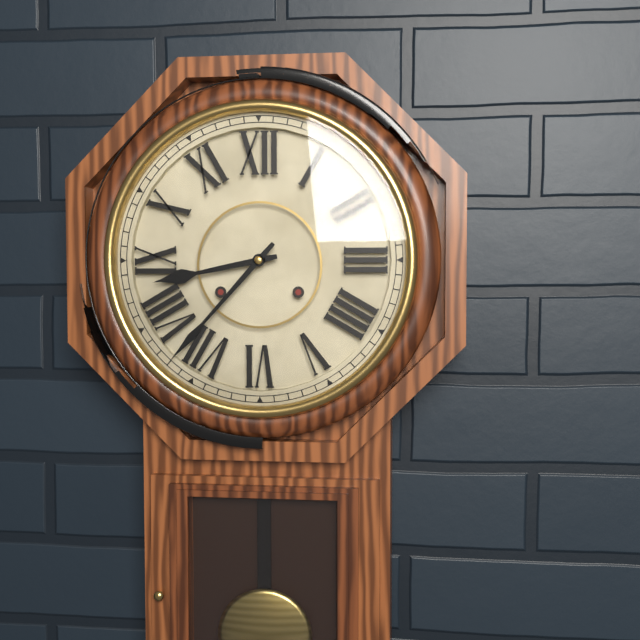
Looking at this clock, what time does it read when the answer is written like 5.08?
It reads 8.37
